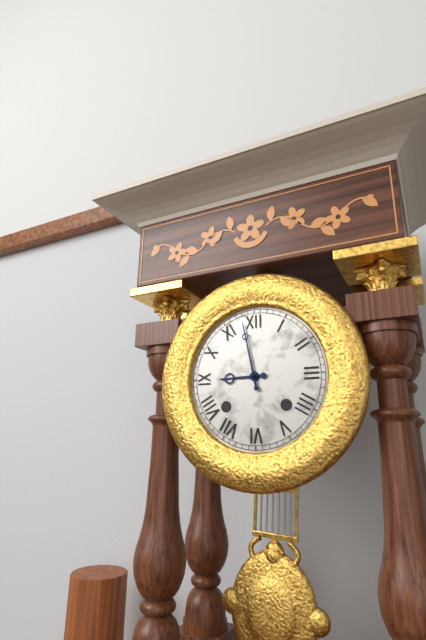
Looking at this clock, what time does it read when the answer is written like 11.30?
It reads 8.58
